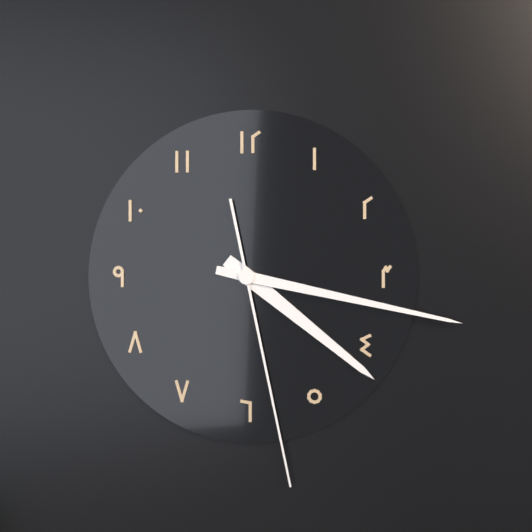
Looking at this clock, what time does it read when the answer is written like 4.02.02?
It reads 4.17.28
